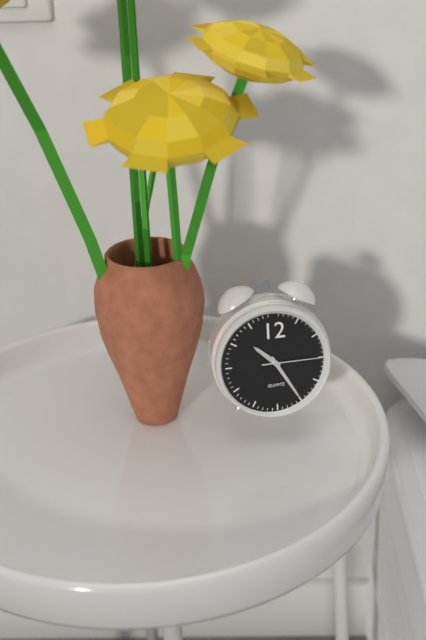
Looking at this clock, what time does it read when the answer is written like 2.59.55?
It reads 10.25.15
